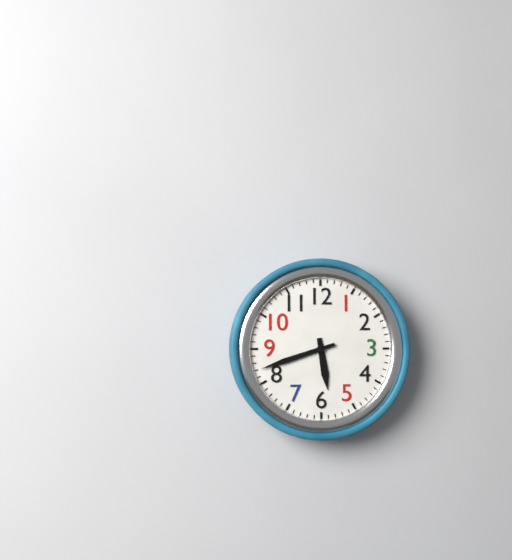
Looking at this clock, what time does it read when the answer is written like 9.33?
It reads 5.42
